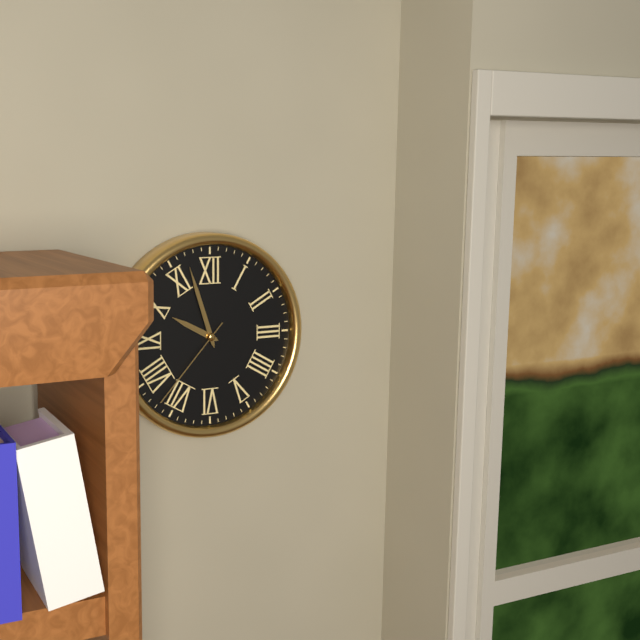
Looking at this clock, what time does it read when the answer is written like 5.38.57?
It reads 9.57.37
